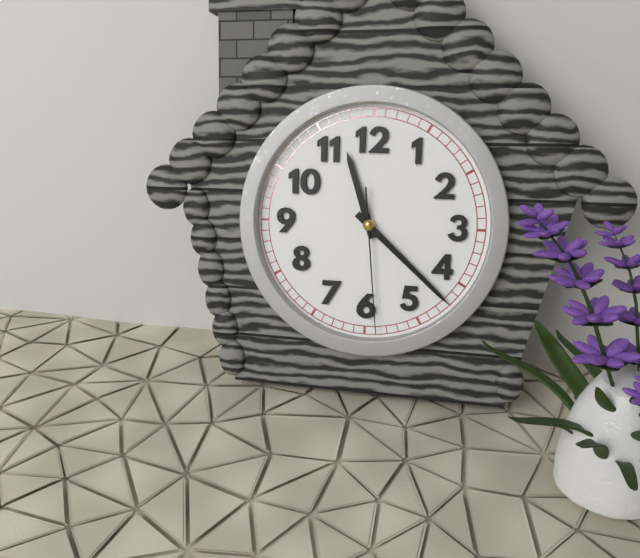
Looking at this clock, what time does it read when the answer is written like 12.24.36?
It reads 11.22.29
